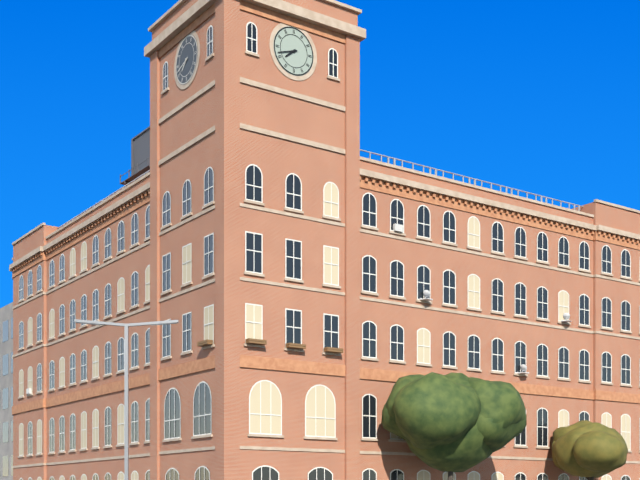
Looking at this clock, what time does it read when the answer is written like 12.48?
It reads 7.42
